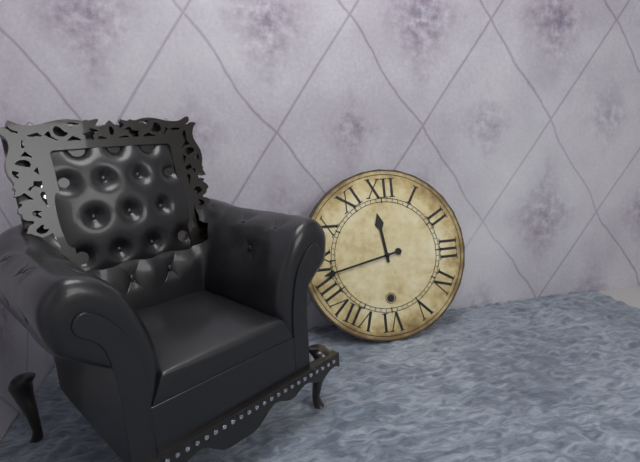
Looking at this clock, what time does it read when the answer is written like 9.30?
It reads 11.43
